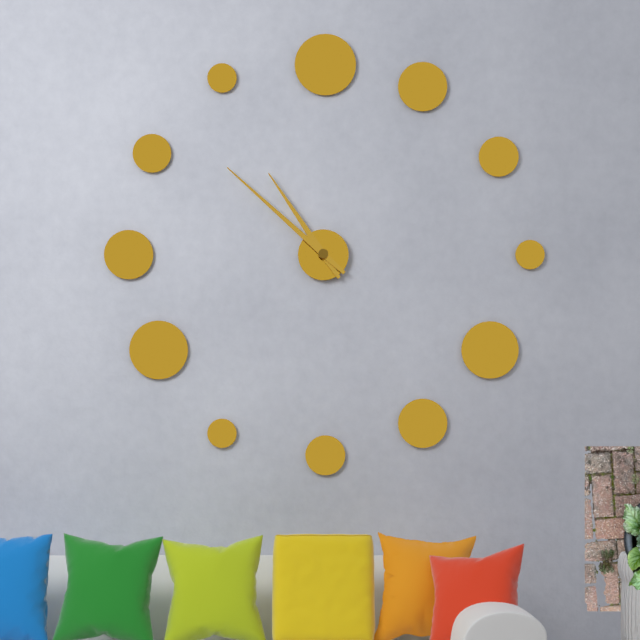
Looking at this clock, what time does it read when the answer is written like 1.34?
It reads 10.52
